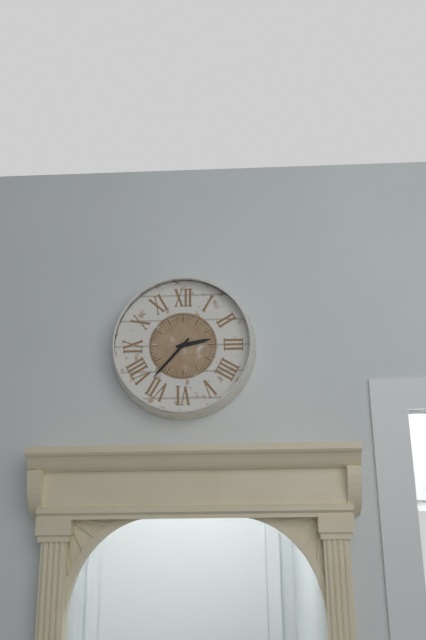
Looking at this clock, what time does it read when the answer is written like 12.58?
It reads 2.37
